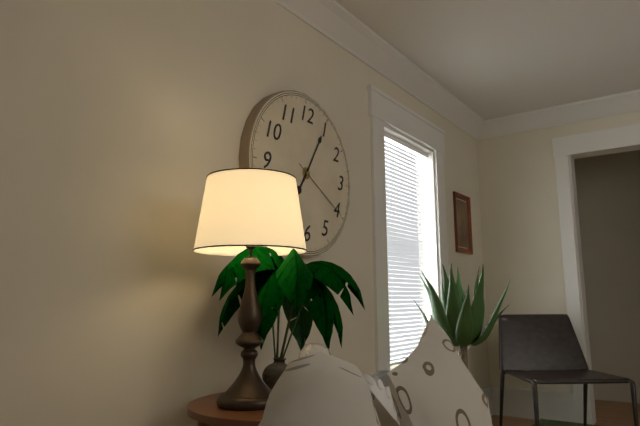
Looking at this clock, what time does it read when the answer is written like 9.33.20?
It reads 7.05.20
